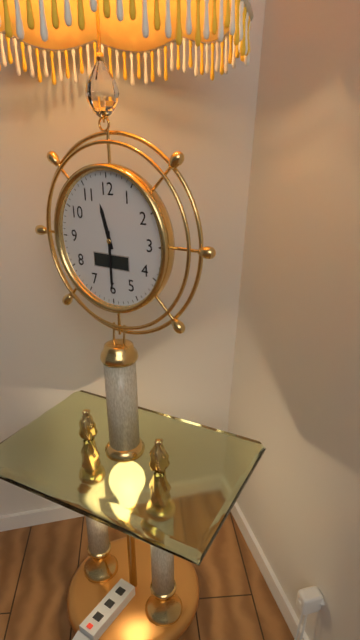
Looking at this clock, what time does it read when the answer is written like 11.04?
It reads 11.30
